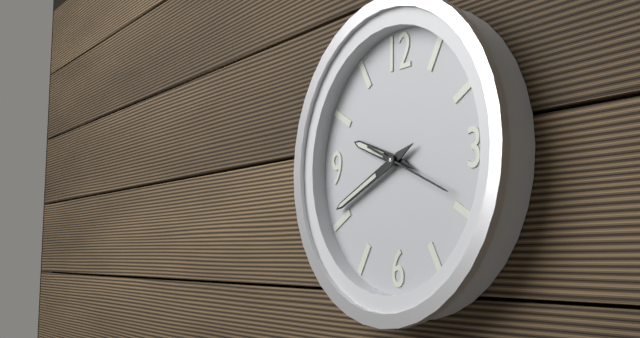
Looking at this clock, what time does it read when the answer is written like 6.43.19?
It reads 9.41.19
